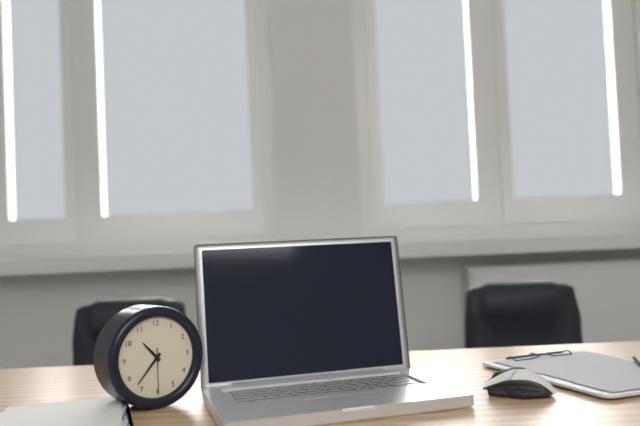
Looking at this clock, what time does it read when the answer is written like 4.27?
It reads 10.37
